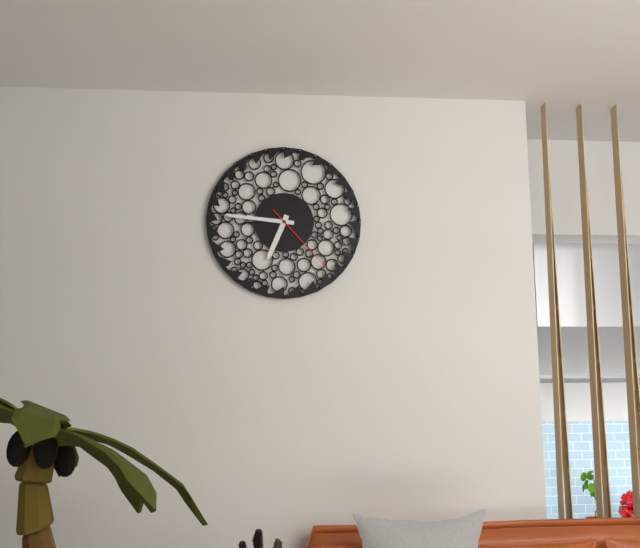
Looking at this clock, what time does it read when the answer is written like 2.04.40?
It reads 6.46.23
